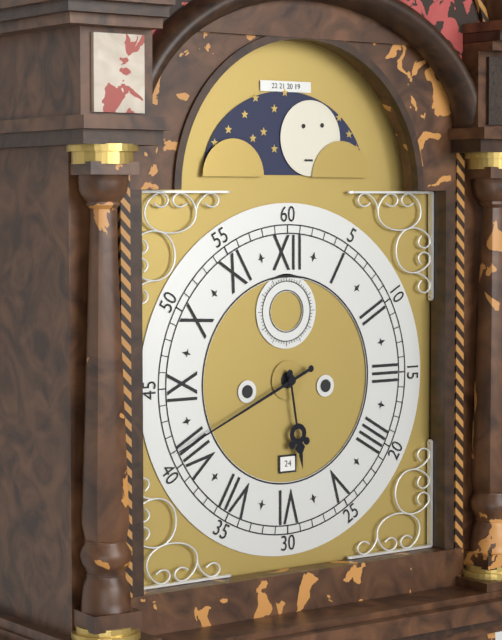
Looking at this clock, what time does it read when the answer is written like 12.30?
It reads 5.41
